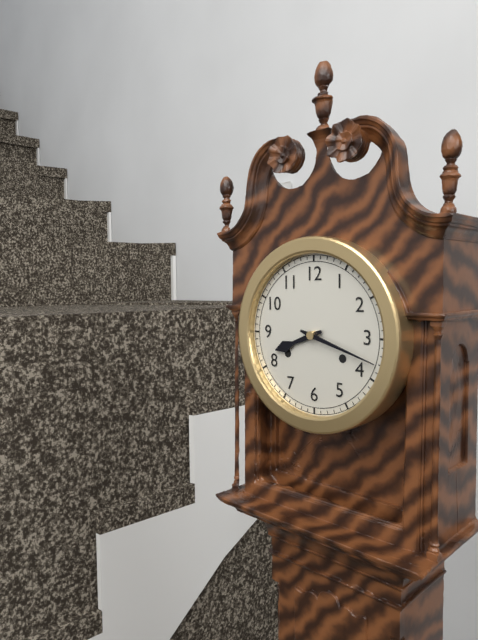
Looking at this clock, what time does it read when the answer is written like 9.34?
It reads 8.18
